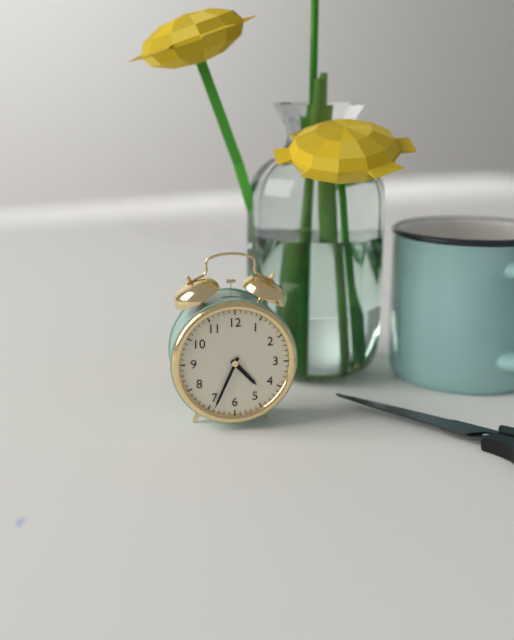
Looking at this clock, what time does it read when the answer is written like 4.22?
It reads 4.34
